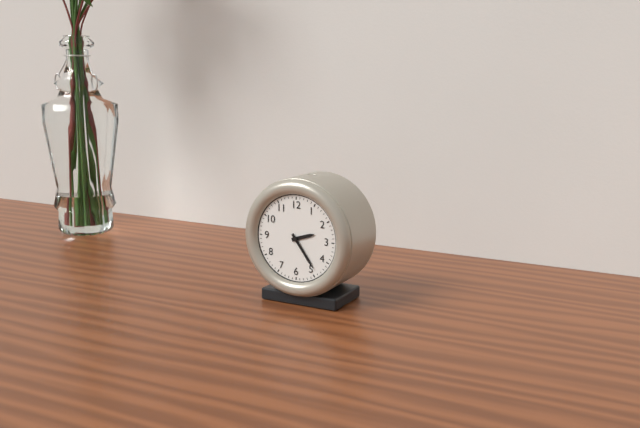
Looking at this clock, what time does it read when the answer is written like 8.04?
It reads 2.24
